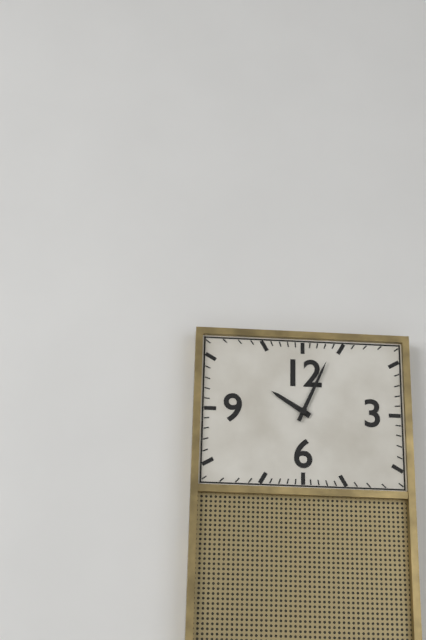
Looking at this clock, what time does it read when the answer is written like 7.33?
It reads 10.04
